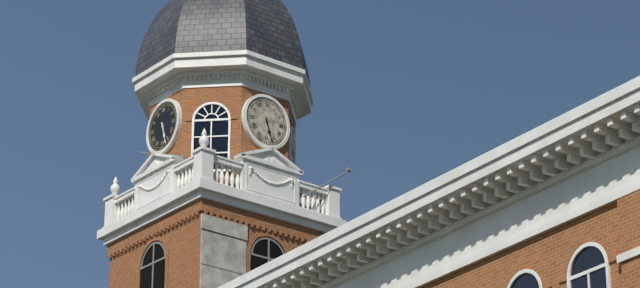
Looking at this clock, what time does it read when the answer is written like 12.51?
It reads 5.27
